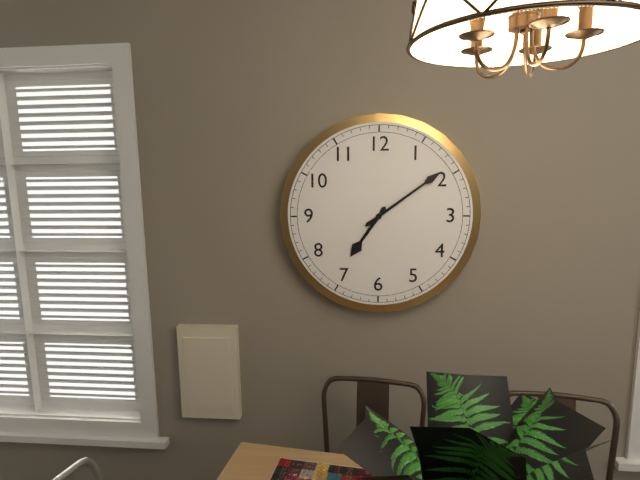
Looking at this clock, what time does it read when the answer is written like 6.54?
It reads 7.09
